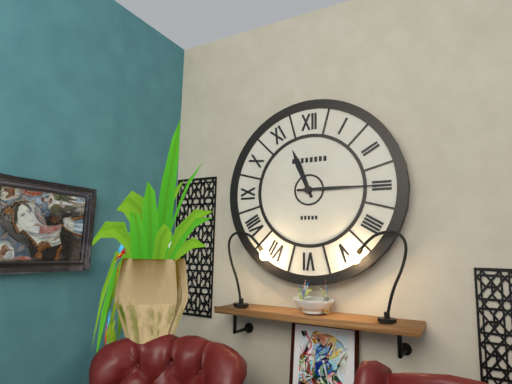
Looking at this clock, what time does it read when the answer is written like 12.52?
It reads 11.15
